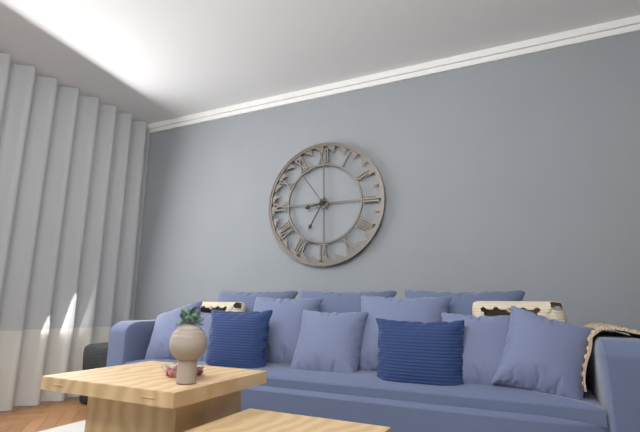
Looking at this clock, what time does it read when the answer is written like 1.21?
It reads 8.35
